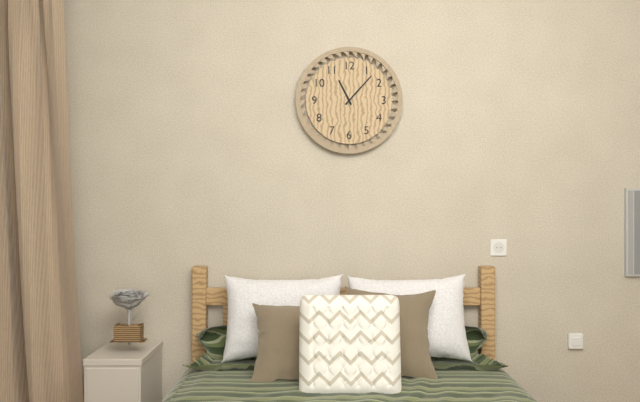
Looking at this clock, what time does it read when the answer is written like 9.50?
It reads 11.07
